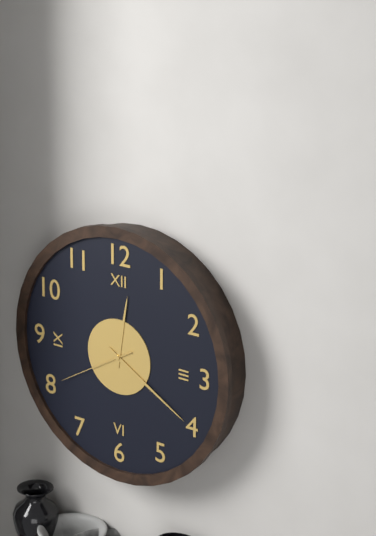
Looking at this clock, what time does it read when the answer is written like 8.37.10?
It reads 12.20.40
